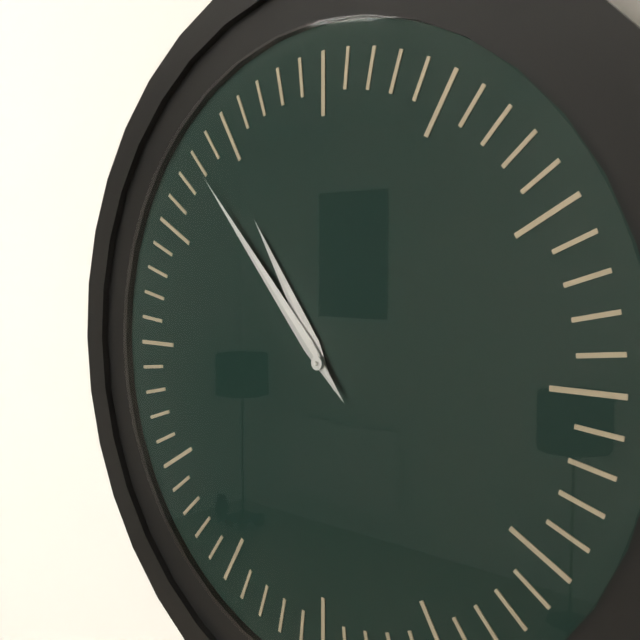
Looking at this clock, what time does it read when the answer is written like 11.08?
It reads 10.53
